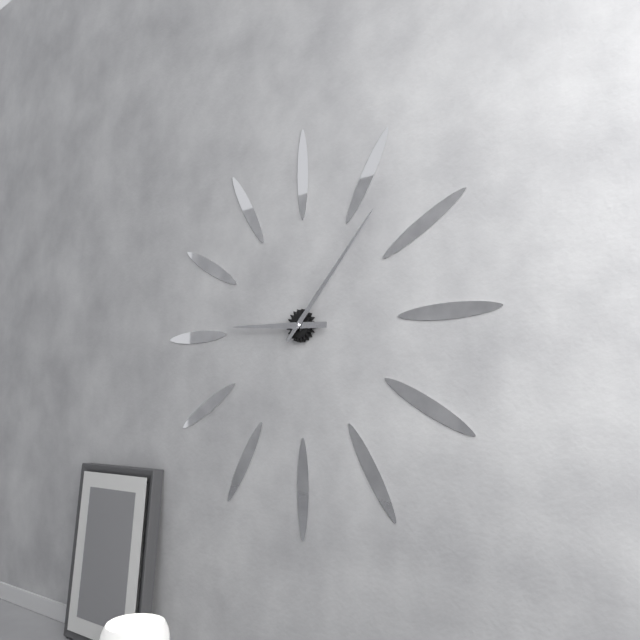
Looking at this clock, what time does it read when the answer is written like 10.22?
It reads 9.07
